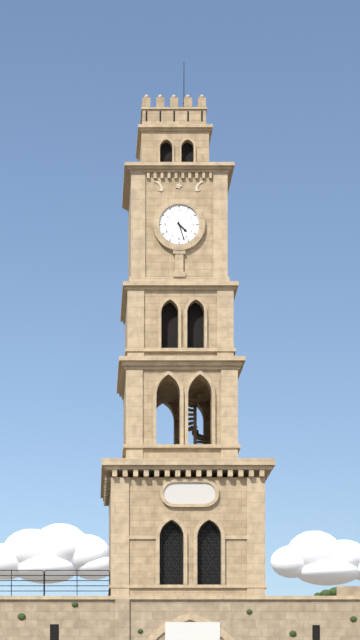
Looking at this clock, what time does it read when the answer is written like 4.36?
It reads 4.27
